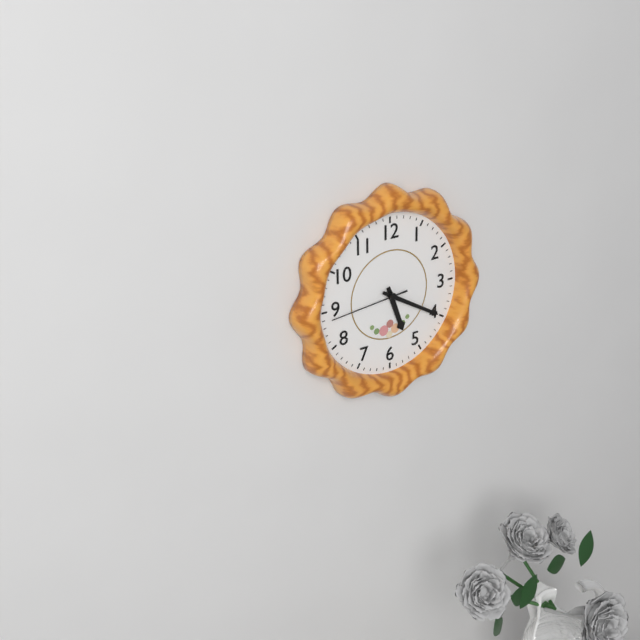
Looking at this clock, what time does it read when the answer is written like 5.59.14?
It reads 5.20.44
